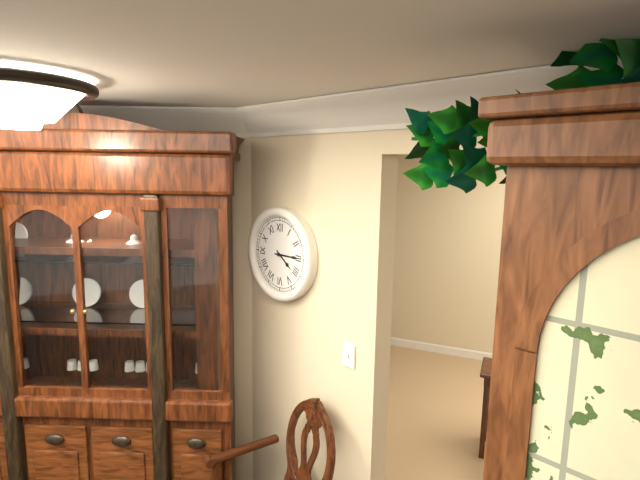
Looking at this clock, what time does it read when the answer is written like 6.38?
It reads 4.15
